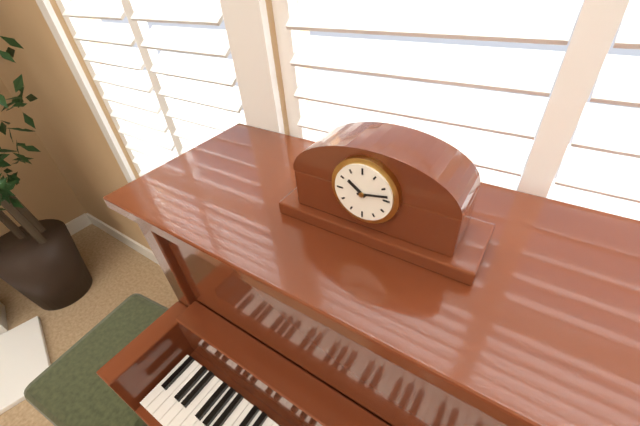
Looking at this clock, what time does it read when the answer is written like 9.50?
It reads 10.13
